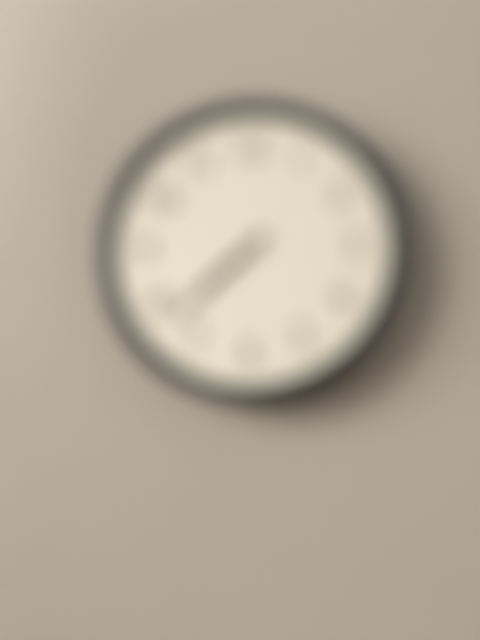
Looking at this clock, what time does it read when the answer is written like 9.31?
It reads 7.38
